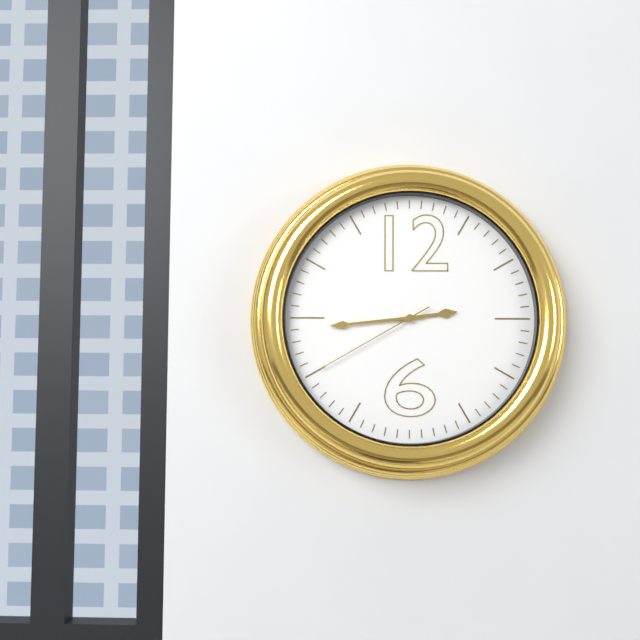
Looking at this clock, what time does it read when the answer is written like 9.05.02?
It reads 2.44.40
